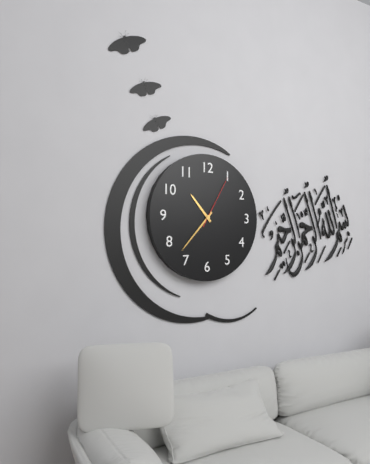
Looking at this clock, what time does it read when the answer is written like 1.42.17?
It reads 10.37.05
